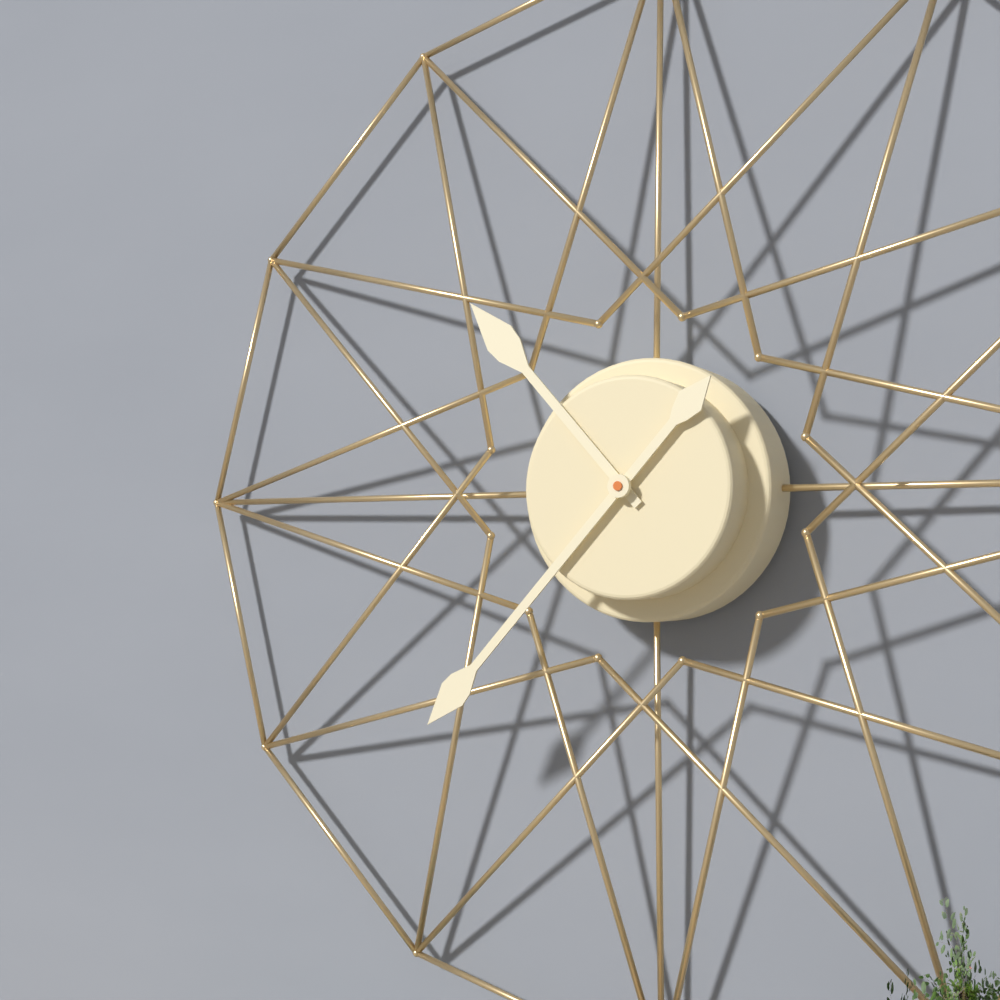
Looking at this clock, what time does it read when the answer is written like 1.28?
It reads 10.37
